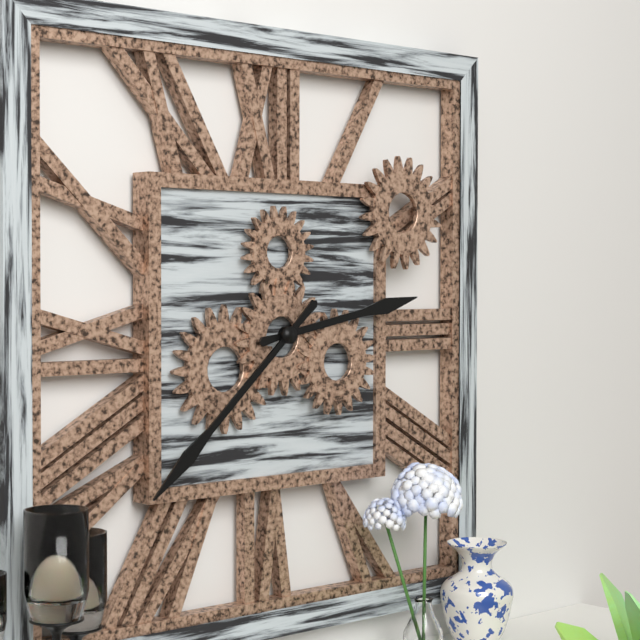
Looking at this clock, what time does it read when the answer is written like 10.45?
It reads 2.38
